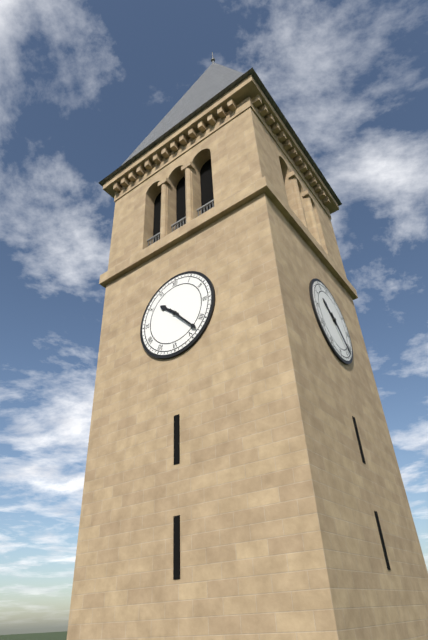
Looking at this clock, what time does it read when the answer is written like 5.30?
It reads 10.23
